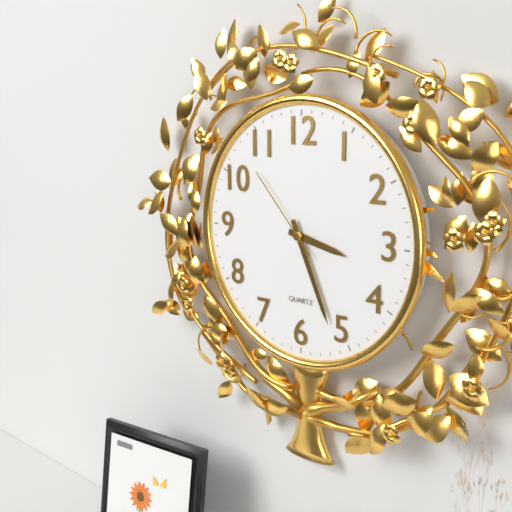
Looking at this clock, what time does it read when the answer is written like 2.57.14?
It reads 3.26.53
